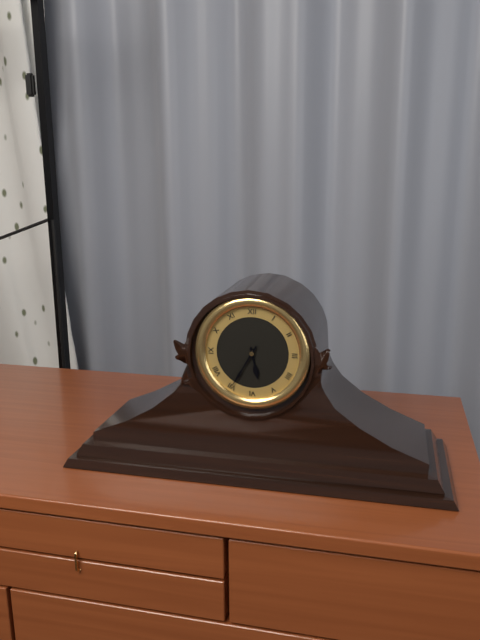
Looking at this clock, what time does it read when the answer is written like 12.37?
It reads 5.35
